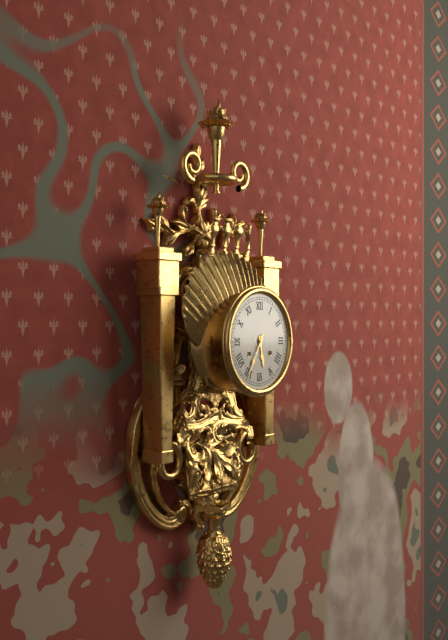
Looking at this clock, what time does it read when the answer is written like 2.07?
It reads 5.35
